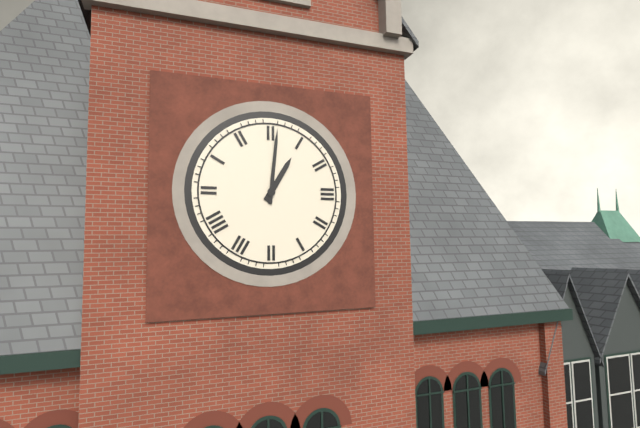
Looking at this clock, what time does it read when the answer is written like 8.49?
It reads 1.01
